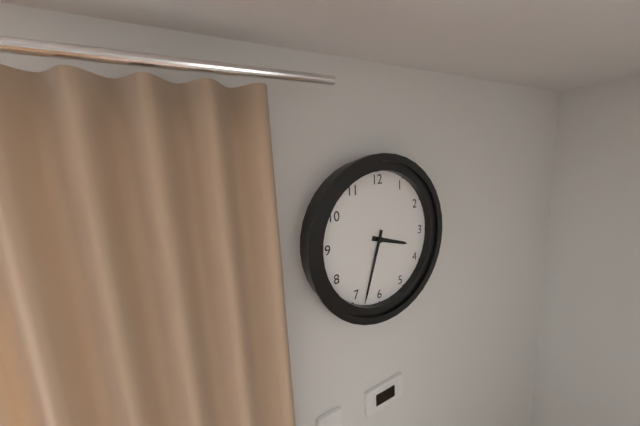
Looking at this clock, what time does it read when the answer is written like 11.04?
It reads 3.33
